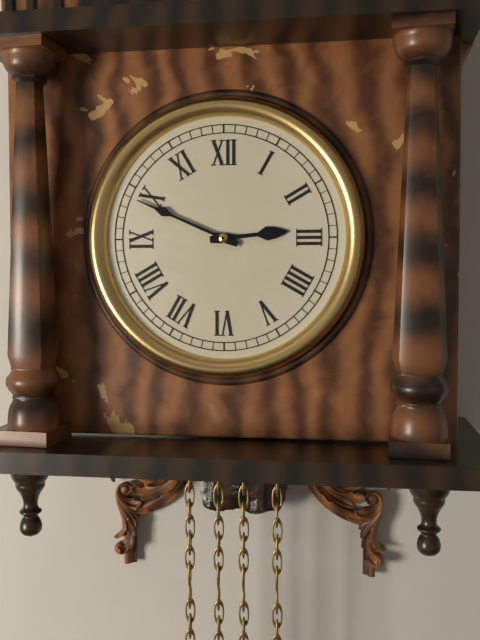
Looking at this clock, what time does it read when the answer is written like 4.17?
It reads 2.49
